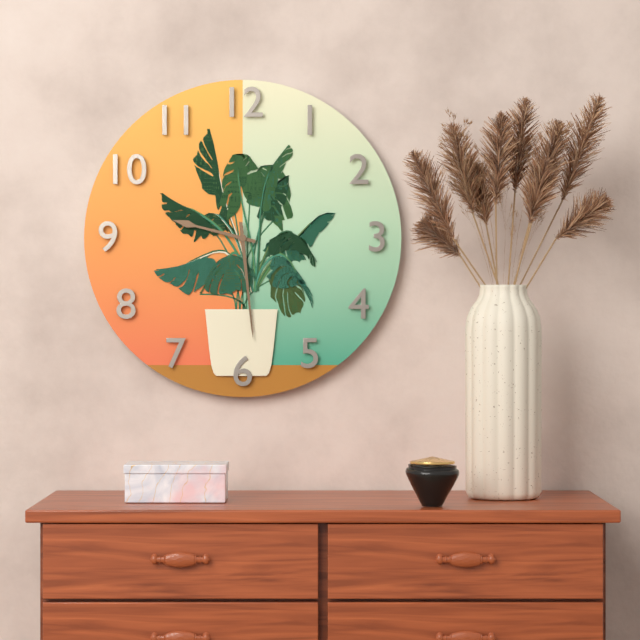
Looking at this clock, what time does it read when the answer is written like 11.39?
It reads 9.29
